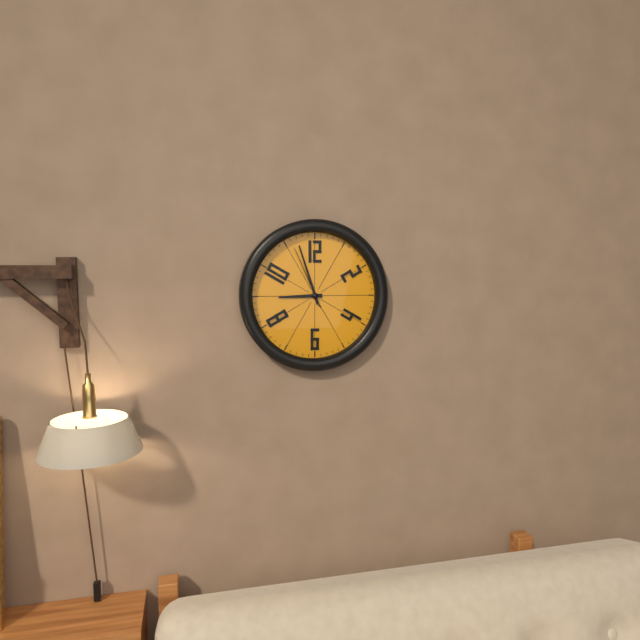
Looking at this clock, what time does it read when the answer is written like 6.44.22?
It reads 8.57.56
